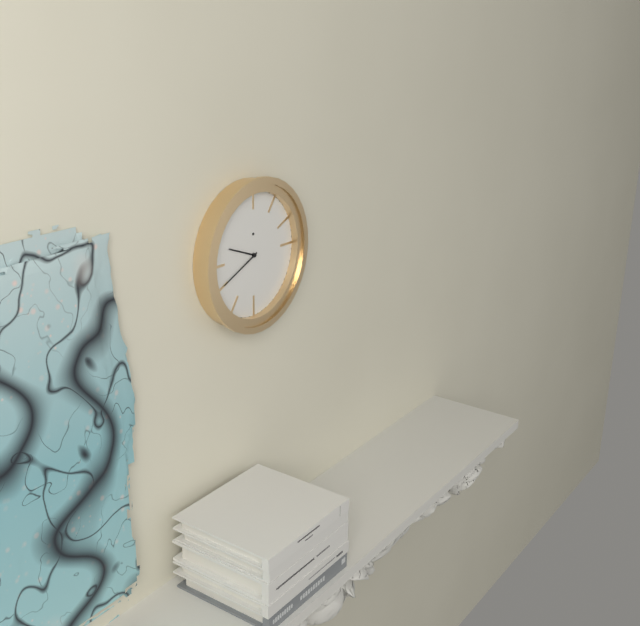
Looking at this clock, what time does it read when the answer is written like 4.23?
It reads 9.41
